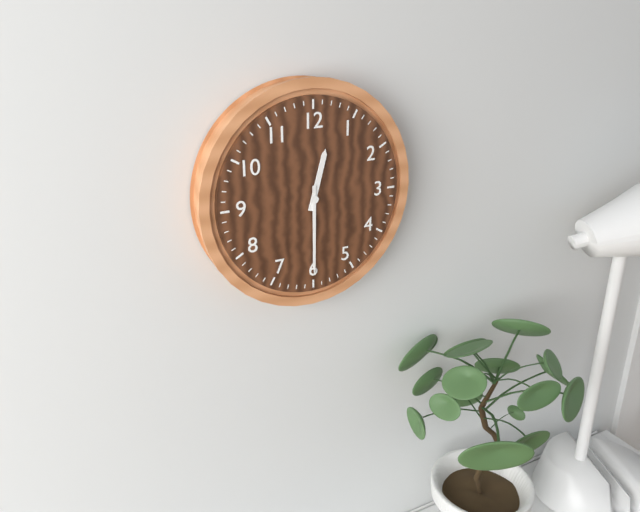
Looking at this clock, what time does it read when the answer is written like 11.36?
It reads 12.30
